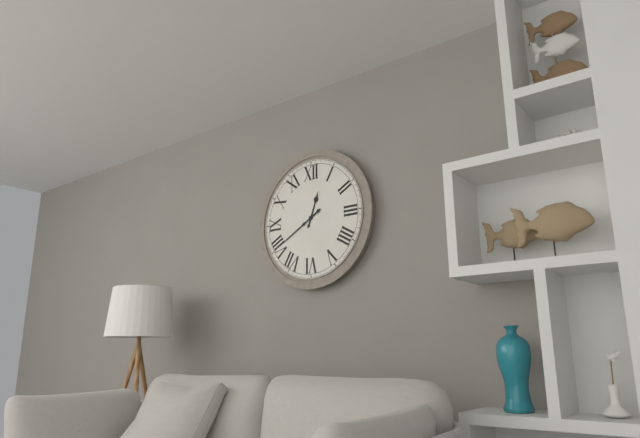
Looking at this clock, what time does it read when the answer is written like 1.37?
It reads 12.40
